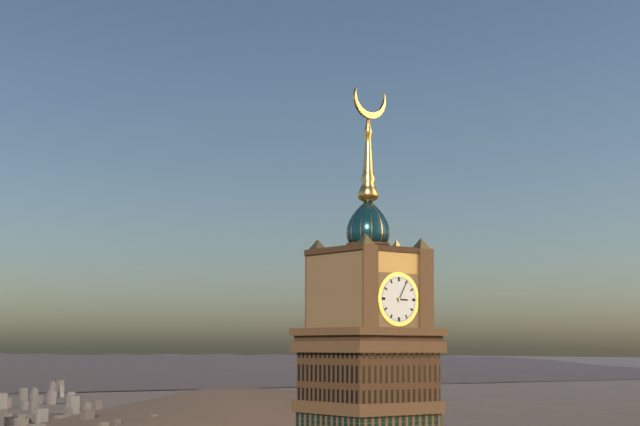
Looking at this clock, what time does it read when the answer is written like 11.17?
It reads 3.05
